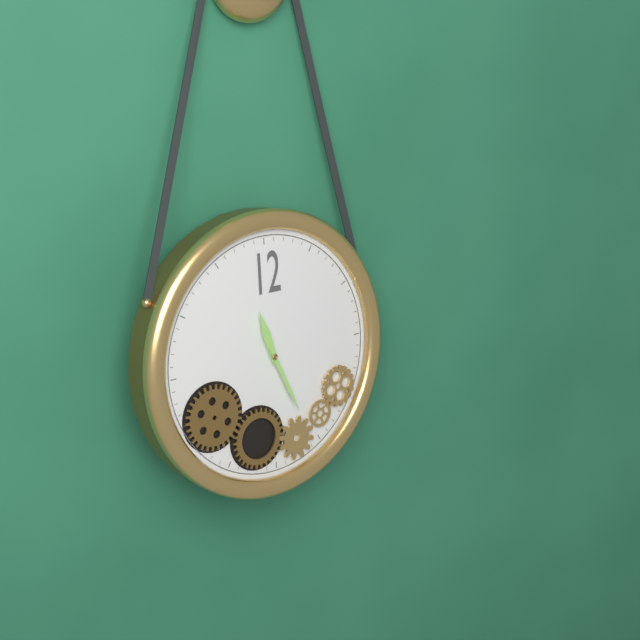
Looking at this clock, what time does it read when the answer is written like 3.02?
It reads 11.26
